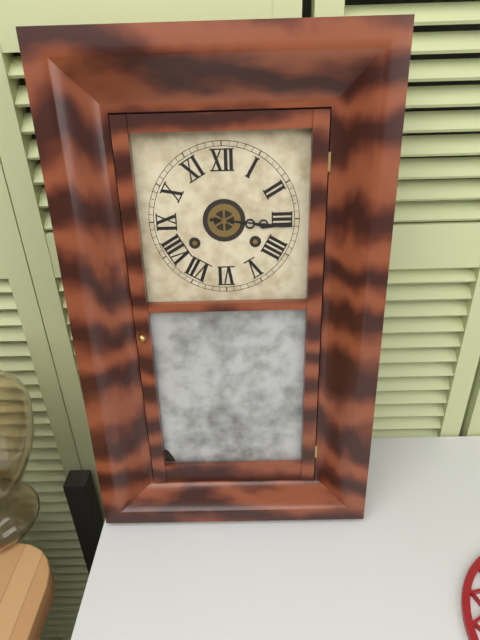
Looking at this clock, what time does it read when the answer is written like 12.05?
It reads 3.16
